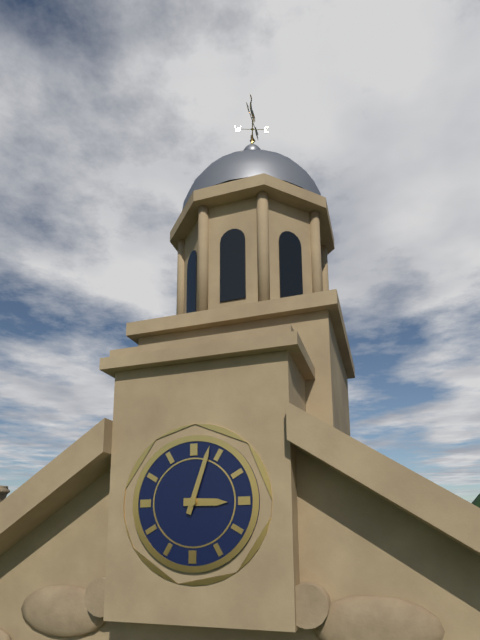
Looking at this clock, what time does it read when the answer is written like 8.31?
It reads 3.03
